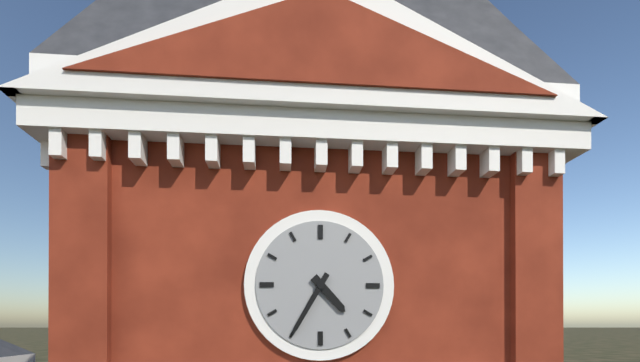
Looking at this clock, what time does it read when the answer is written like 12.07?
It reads 4.35
